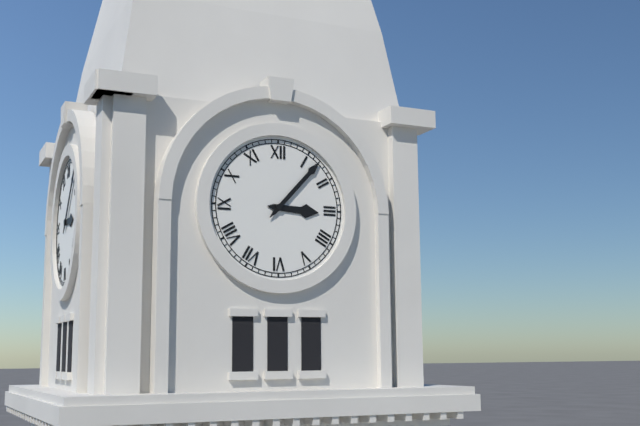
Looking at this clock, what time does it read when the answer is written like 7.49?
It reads 3.07
